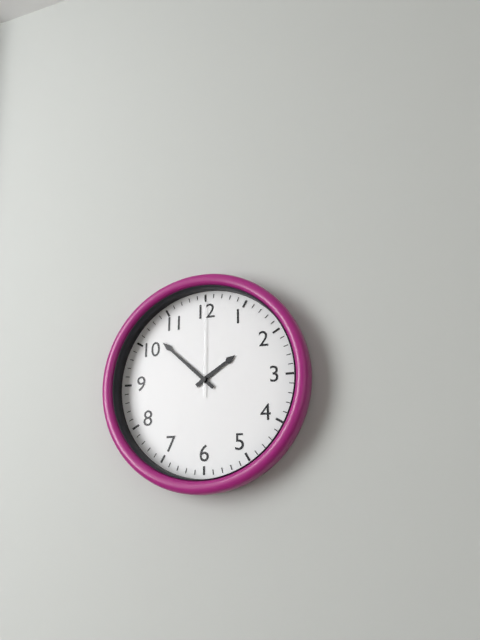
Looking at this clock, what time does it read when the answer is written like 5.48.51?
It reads 1.52.00
